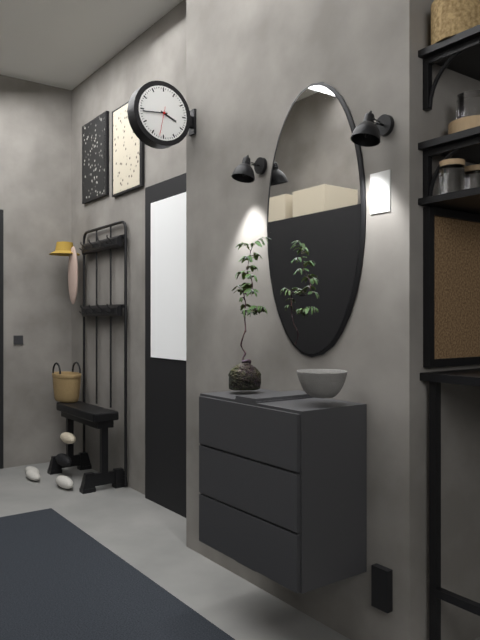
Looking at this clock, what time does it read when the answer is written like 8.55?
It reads 3.44
